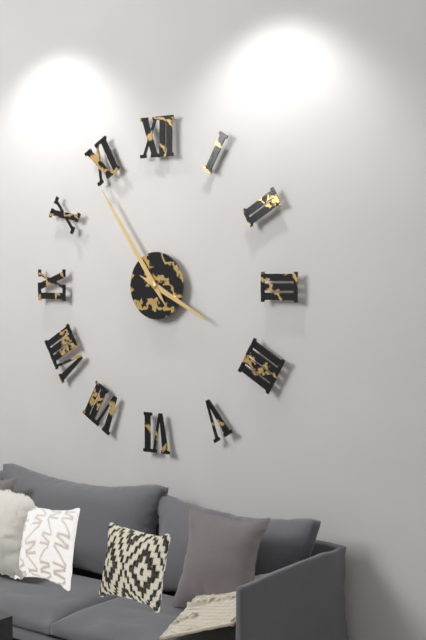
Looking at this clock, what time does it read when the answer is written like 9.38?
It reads 3.54
